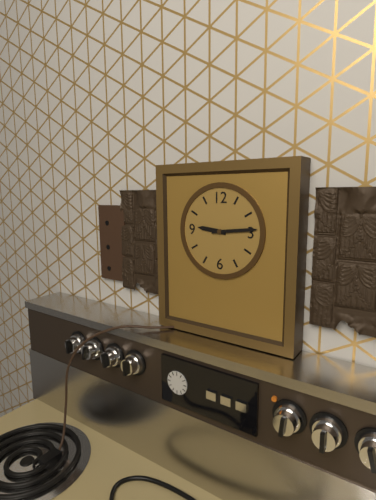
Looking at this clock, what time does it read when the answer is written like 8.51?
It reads 9.14
